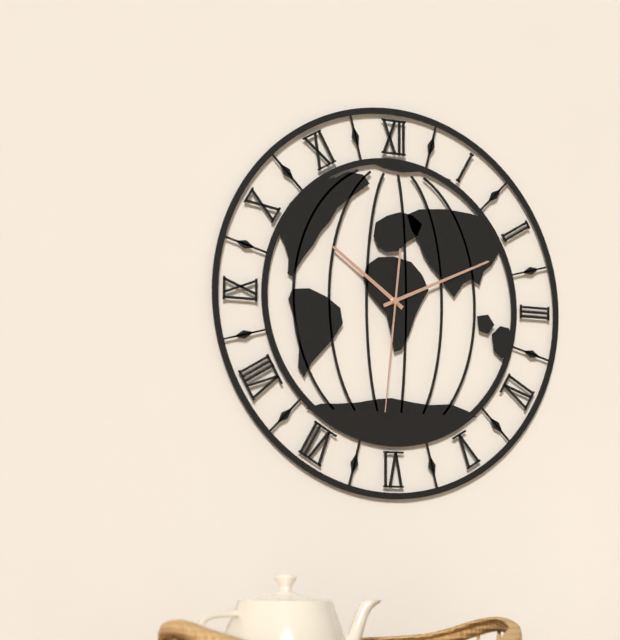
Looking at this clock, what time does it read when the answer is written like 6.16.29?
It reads 10.11.31
